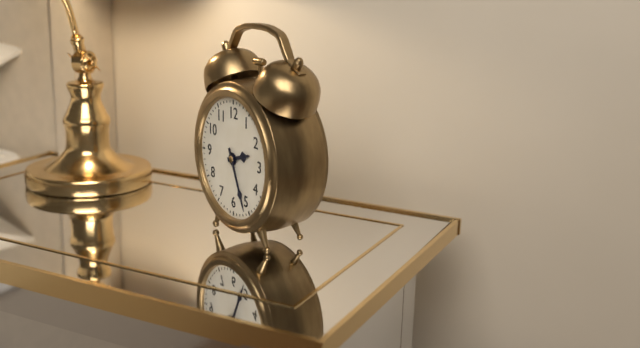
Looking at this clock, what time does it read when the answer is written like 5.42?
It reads 2.26
